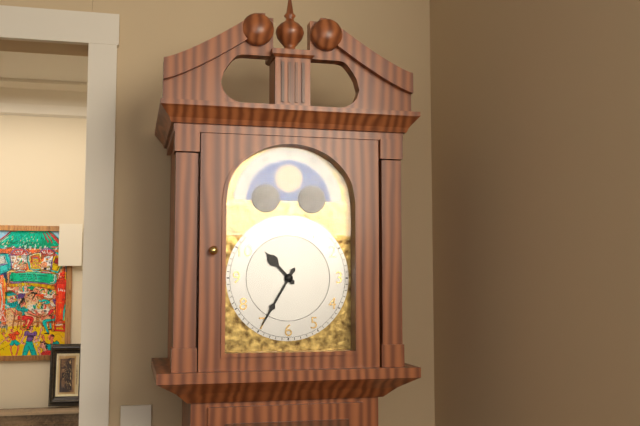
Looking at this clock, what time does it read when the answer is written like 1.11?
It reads 10.35
